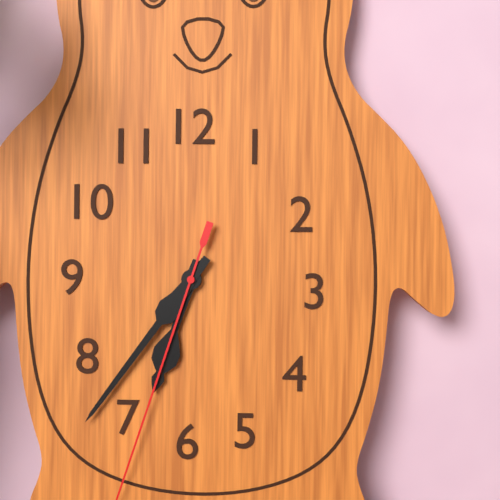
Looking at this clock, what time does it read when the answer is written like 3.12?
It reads 6.36
